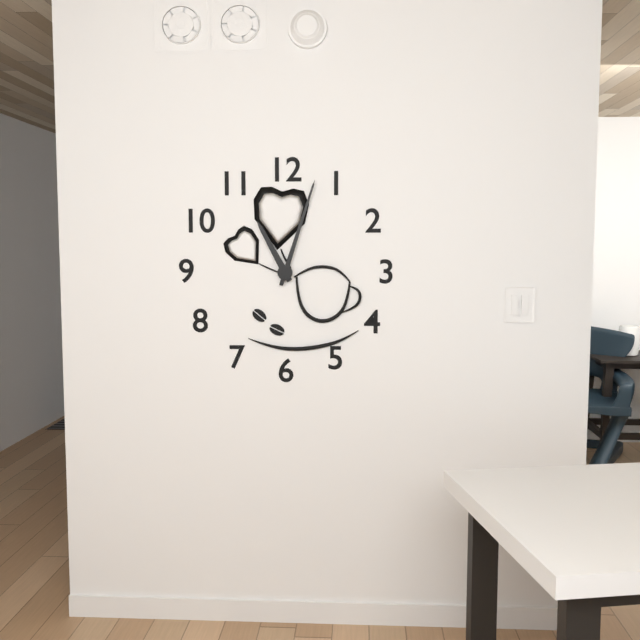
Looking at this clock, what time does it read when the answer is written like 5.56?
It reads 11.03
